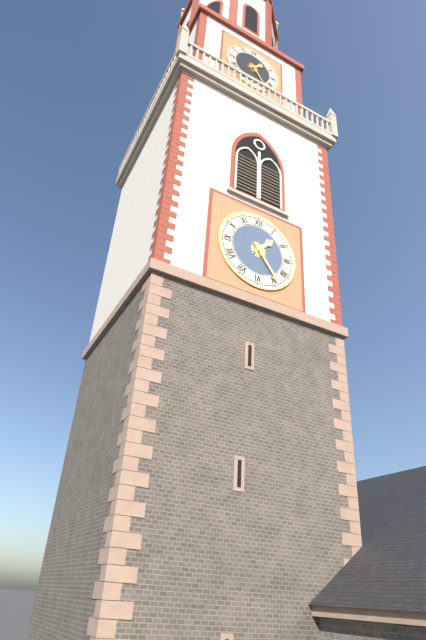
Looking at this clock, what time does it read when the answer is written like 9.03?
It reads 1.24
